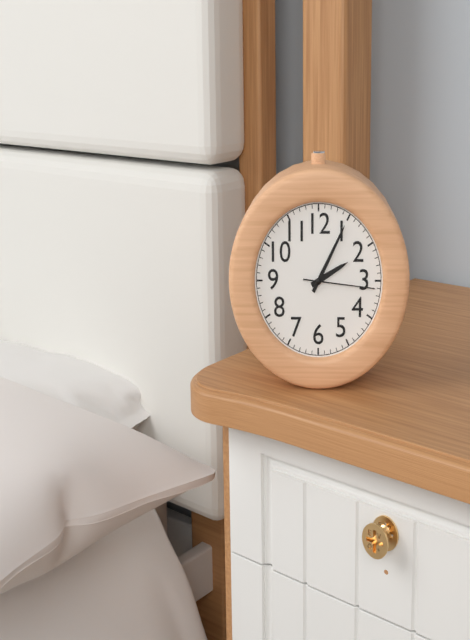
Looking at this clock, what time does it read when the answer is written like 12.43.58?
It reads 2.05.16
